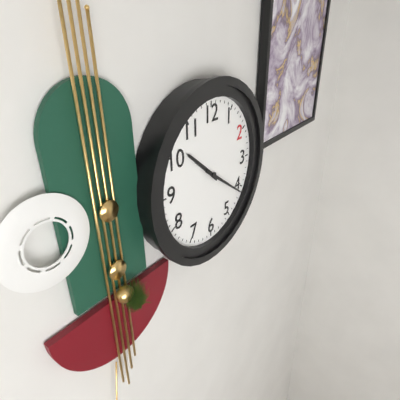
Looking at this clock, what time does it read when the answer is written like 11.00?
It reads 10.21
